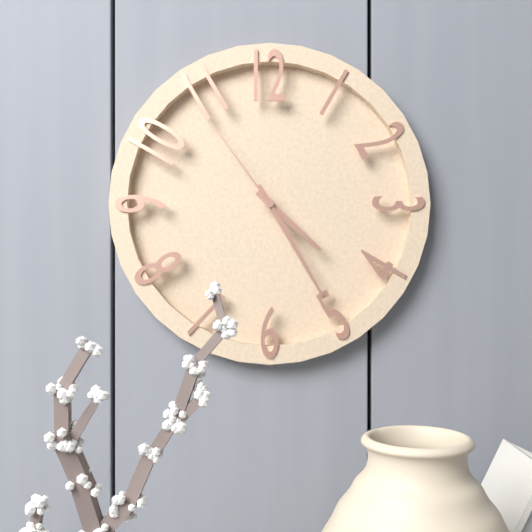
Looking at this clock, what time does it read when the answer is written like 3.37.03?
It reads 4.25.54
